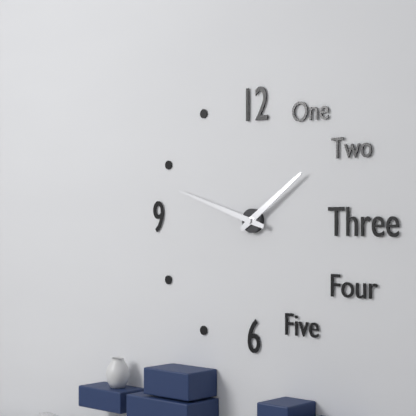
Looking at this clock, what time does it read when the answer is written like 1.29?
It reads 1.48
